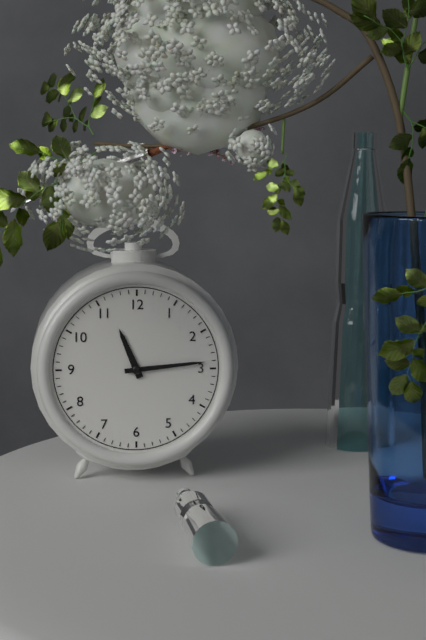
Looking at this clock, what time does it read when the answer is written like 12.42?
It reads 11.14
